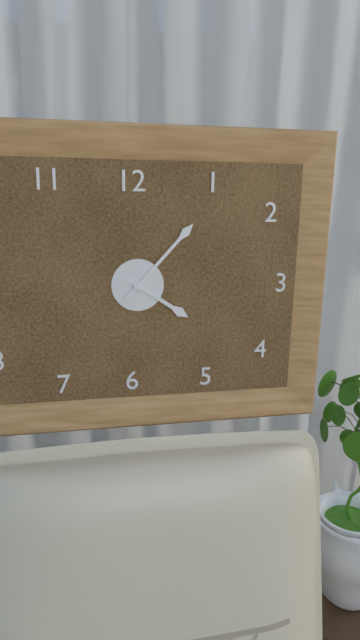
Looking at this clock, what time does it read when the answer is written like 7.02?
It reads 4.07
